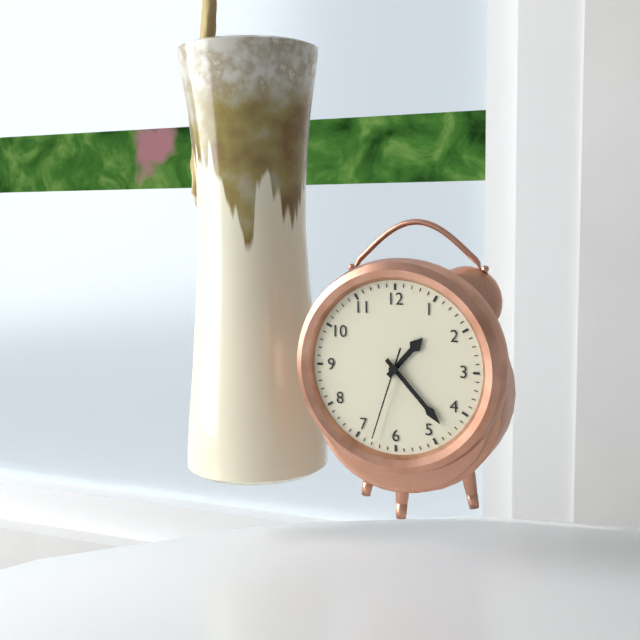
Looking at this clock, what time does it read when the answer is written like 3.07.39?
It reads 1.23.33
